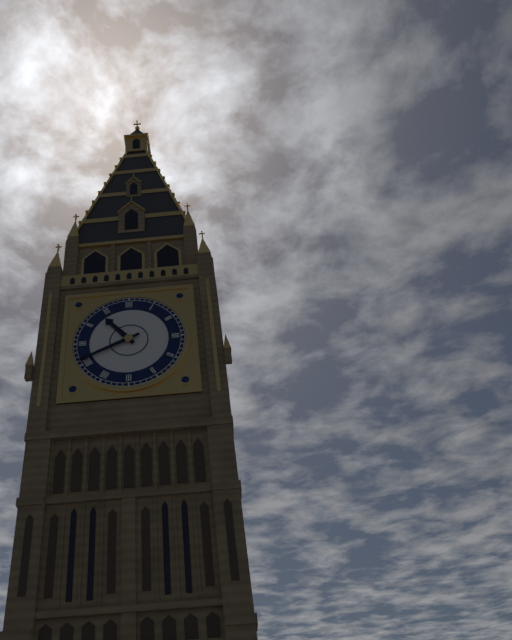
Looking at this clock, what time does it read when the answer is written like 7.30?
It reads 10.41
